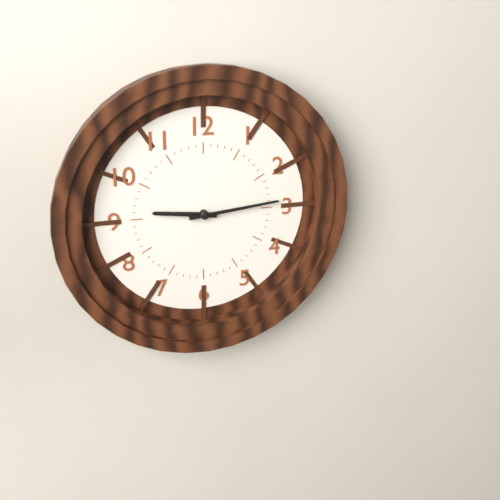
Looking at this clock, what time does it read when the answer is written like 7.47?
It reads 9.14
